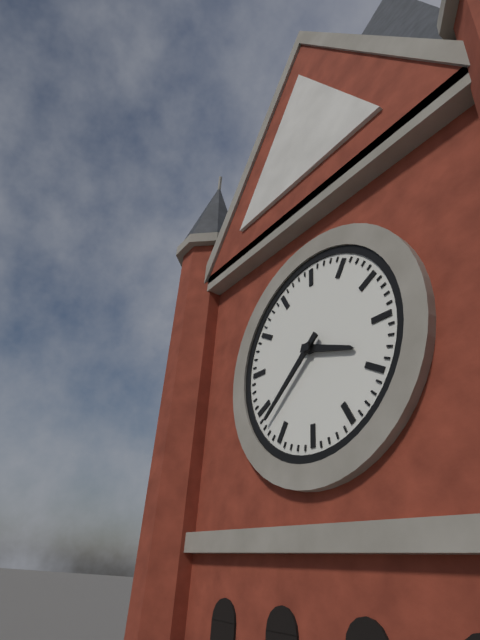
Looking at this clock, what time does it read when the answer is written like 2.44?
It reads 3.38
